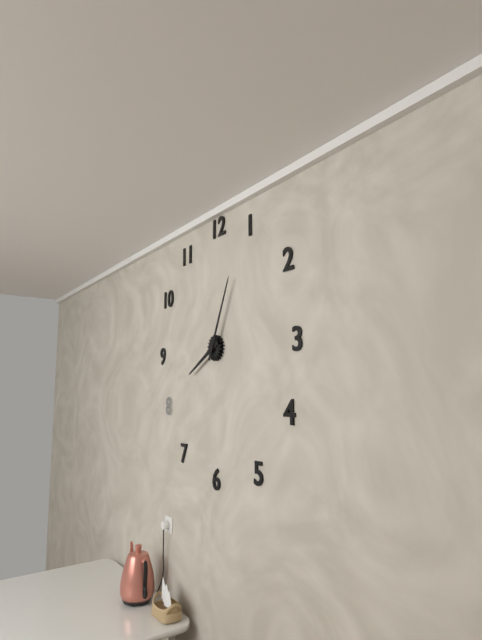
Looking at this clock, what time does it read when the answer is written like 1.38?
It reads 8.04
